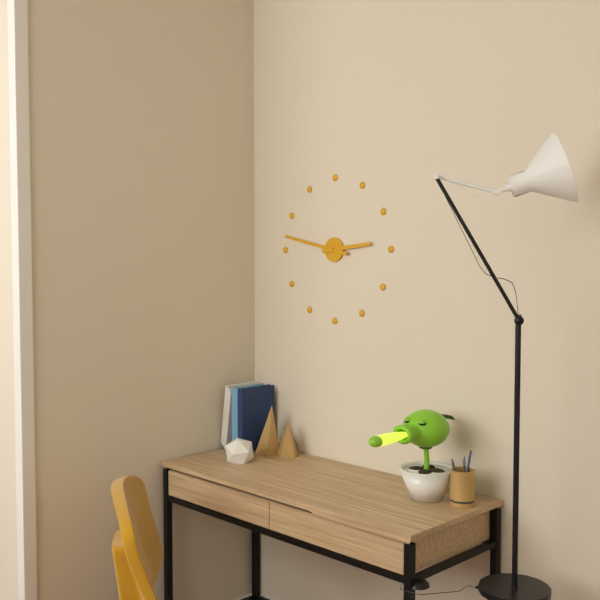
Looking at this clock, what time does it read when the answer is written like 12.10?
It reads 2.47
